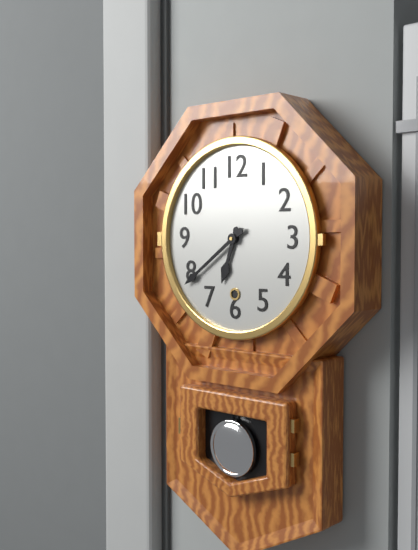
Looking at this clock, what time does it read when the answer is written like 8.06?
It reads 6.39
